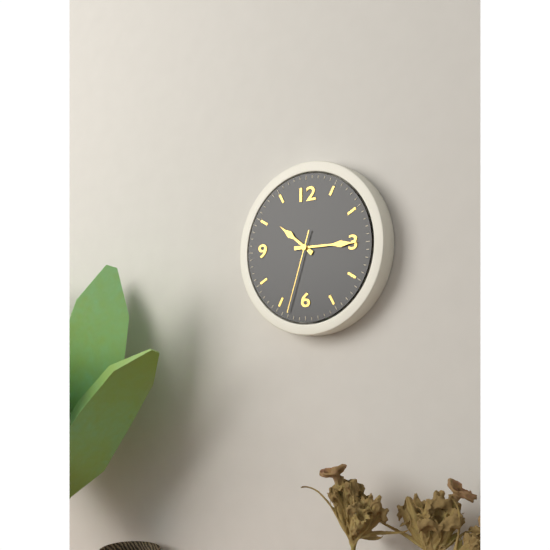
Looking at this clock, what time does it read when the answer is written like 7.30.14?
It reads 10.15.33
